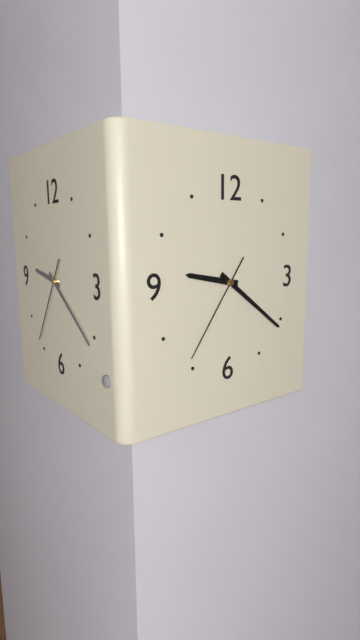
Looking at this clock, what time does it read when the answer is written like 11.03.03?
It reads 9.21.36
